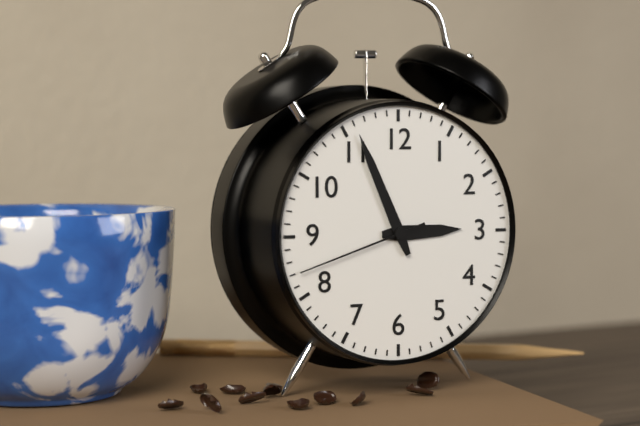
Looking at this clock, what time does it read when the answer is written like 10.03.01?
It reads 2.56.42
